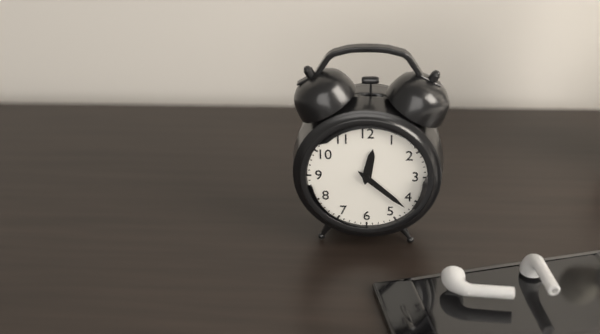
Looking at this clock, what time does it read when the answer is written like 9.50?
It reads 12.22
